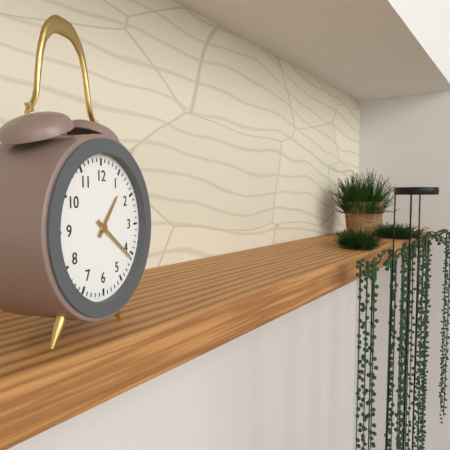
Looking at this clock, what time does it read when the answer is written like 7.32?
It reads 1.21
